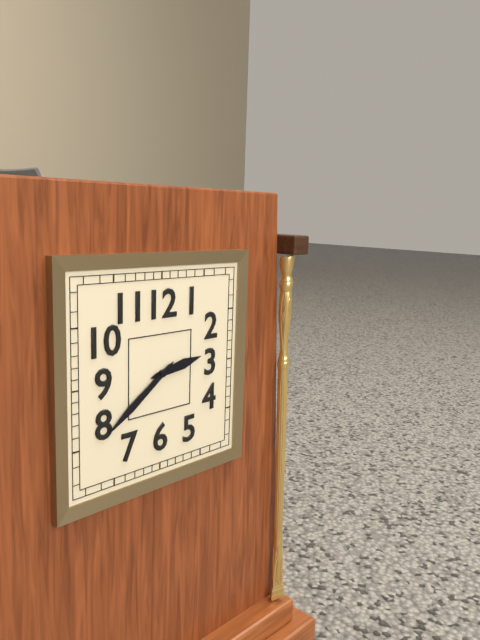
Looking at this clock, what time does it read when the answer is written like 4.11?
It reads 2.39
